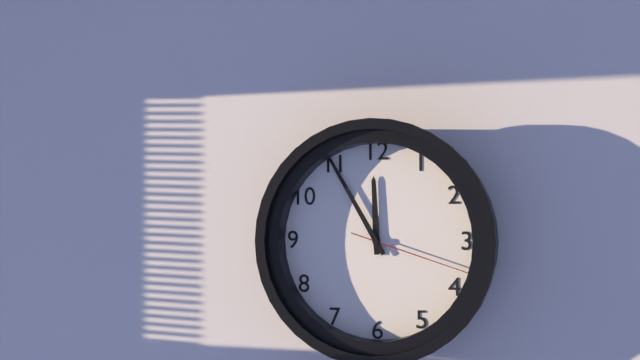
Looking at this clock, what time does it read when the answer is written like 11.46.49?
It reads 11.55.18
